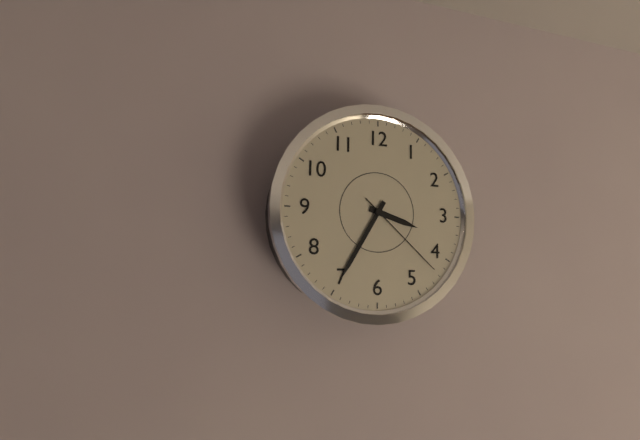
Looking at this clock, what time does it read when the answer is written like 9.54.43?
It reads 3.35.22
